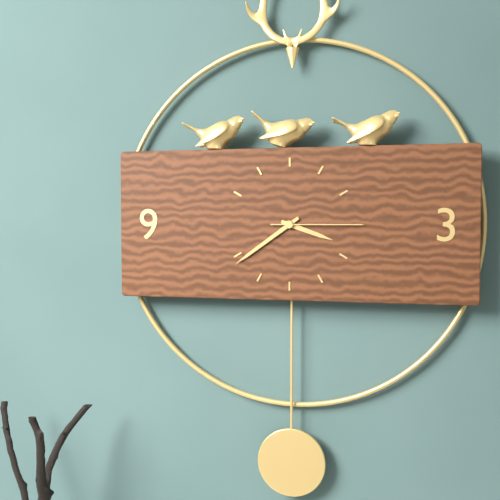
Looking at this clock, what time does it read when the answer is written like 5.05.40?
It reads 3.39.15
